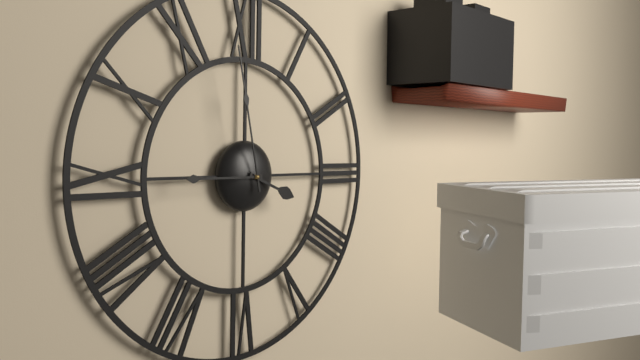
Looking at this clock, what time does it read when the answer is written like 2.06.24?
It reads 3.45.58
